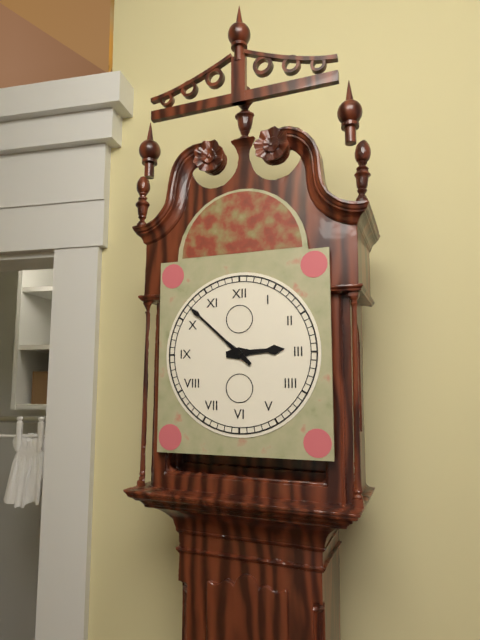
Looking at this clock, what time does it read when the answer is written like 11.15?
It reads 2.52
